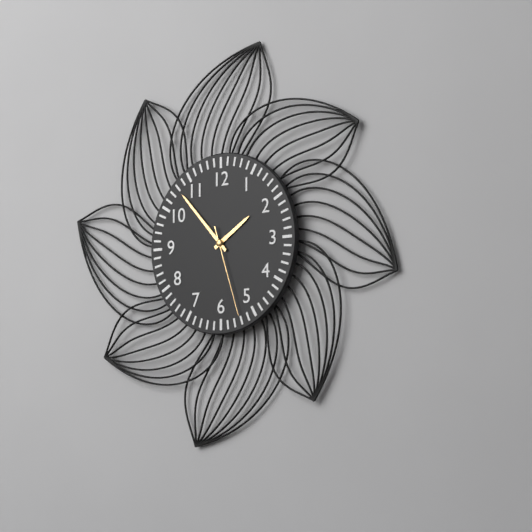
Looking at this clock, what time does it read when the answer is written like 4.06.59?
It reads 1.53.27
